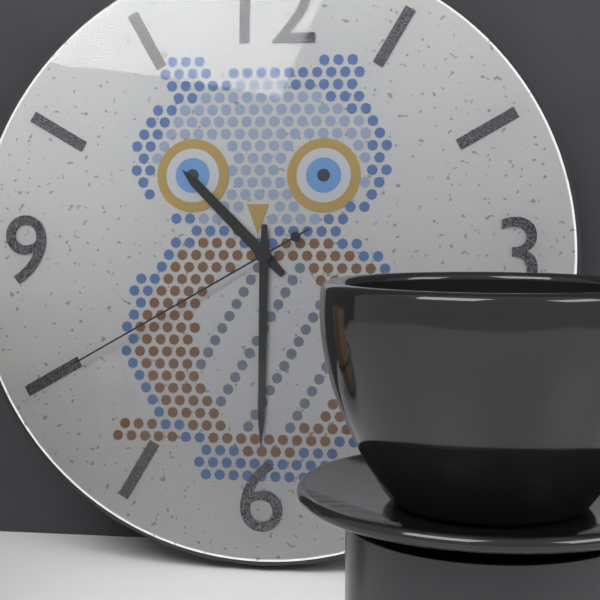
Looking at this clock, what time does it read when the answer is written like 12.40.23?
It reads 10.30.40
